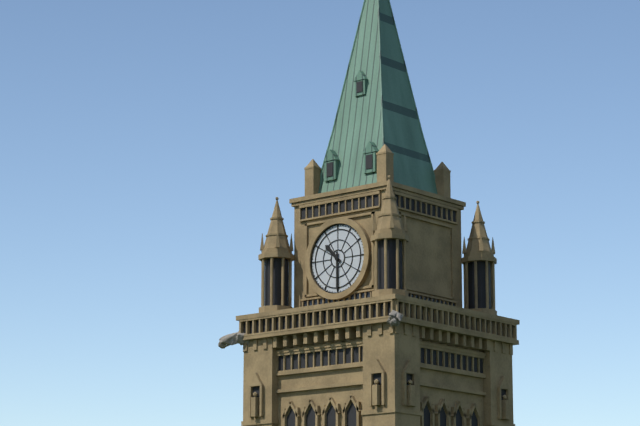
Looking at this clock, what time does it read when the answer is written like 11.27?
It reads 10.30
